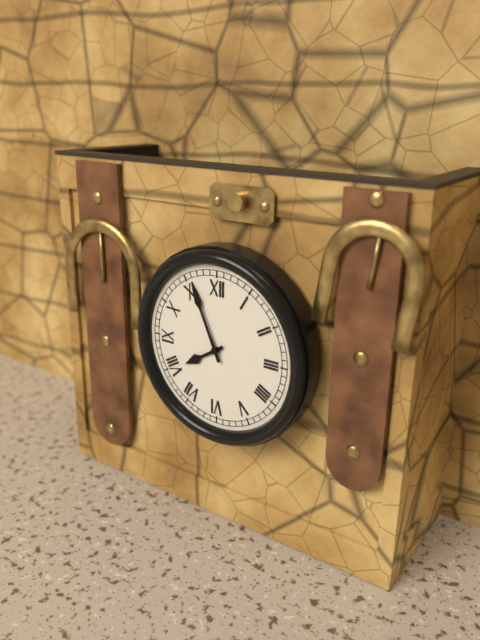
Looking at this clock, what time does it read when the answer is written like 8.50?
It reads 7.56
